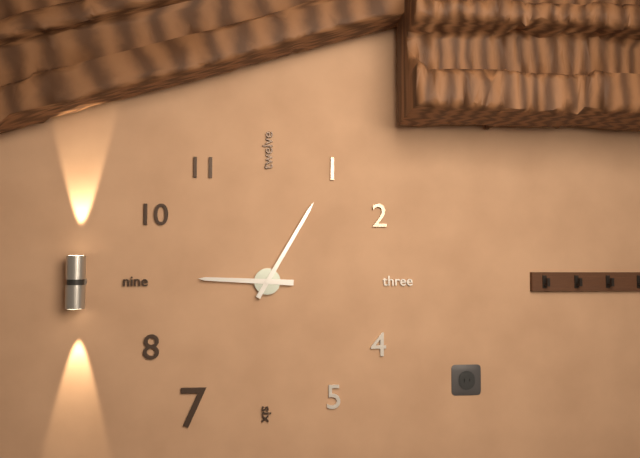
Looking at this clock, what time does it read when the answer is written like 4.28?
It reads 9.05
